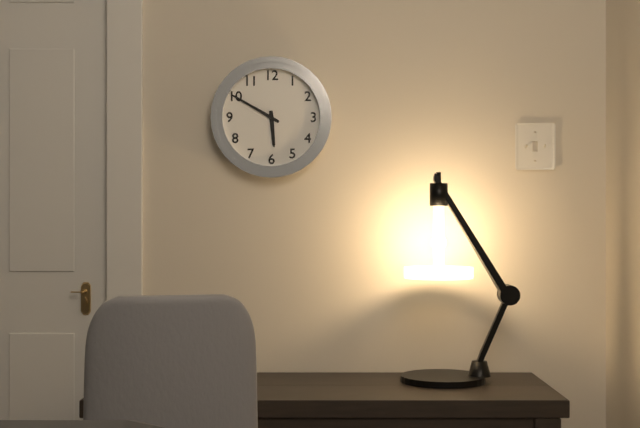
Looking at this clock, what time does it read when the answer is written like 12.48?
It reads 5.50
